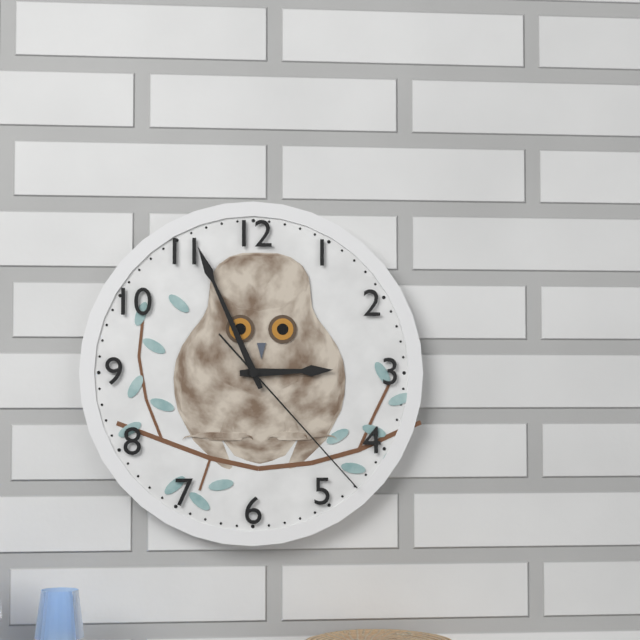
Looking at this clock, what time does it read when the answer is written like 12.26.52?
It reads 2.56.23
